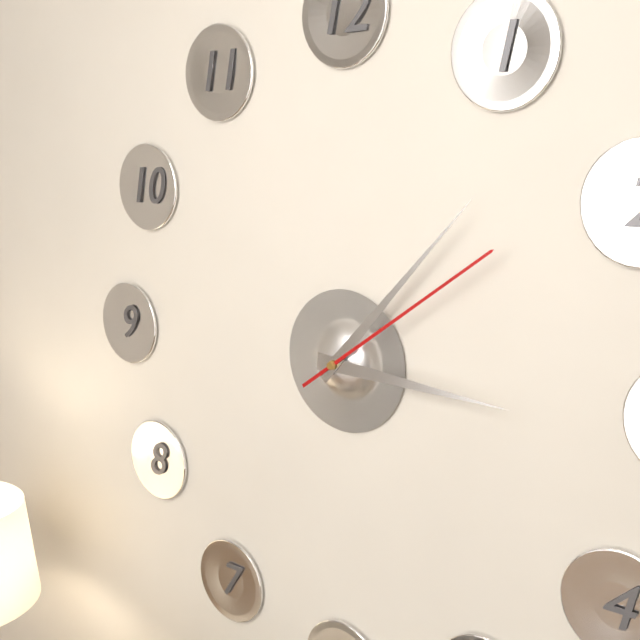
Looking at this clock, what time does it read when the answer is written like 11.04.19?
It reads 3.07.09
